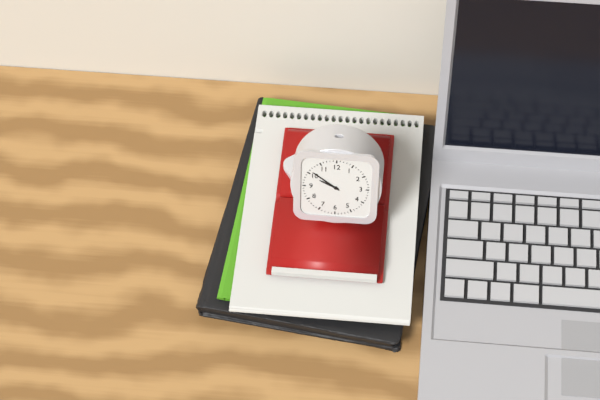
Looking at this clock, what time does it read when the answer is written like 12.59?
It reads 9.51
